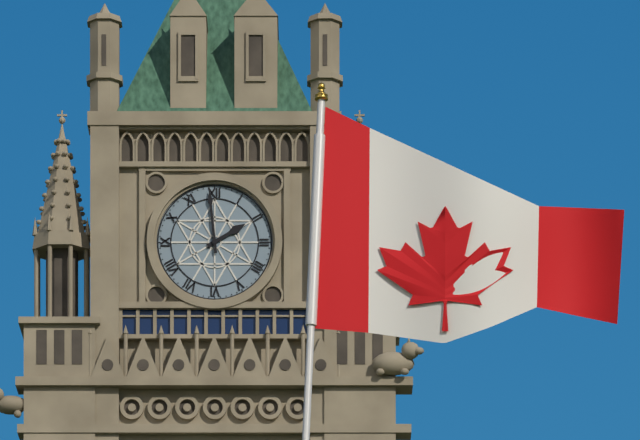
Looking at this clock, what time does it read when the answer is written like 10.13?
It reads 1.59
